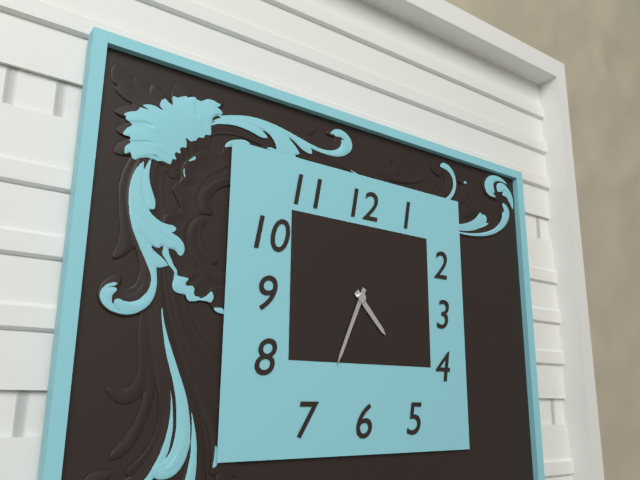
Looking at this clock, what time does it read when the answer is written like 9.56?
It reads 4.34
